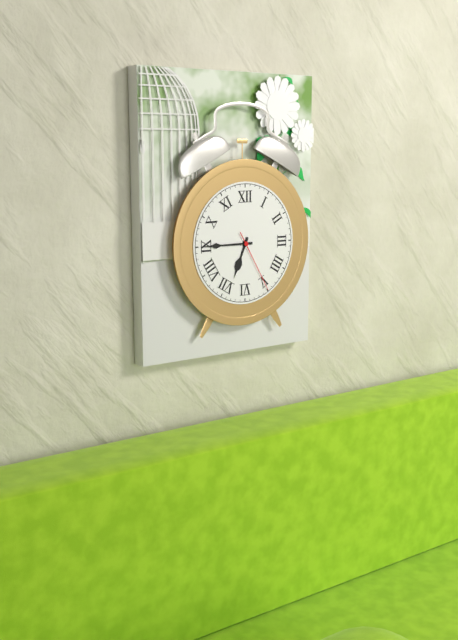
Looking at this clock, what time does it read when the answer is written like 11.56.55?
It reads 6.45.25
